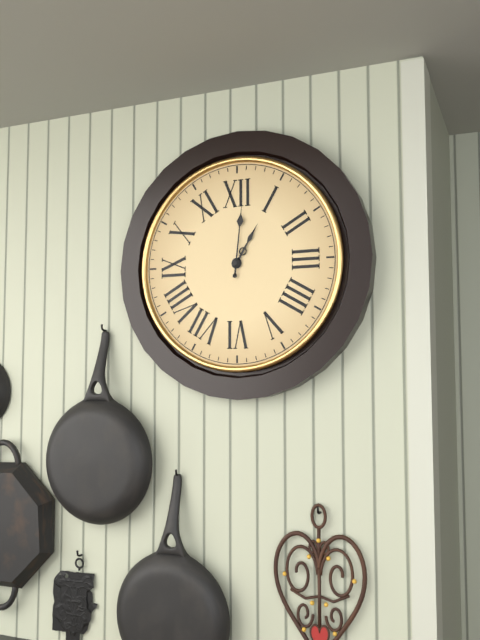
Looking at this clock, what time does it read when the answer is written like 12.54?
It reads 1.01
